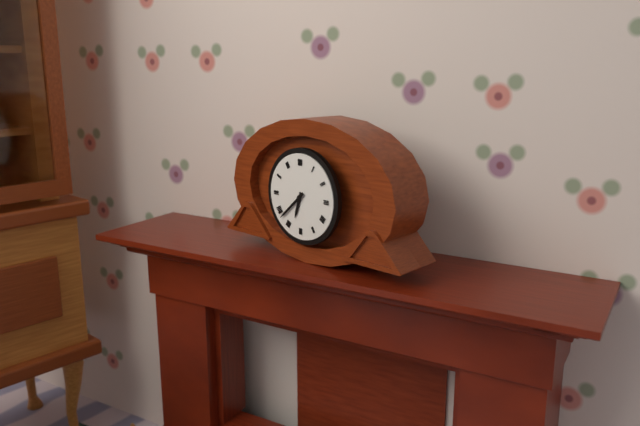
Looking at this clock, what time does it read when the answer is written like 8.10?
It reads 6.38
